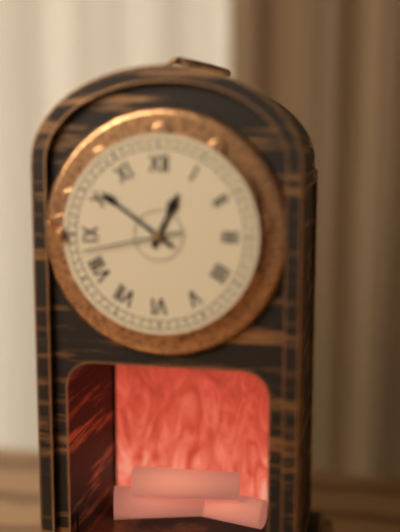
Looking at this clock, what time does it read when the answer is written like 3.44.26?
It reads 12.51.43
